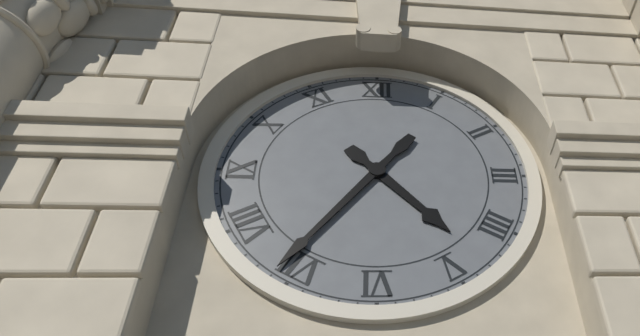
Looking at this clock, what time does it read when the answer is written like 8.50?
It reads 4.36
